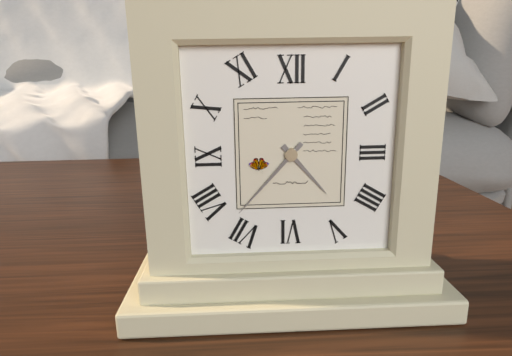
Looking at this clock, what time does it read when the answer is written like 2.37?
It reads 4.37
